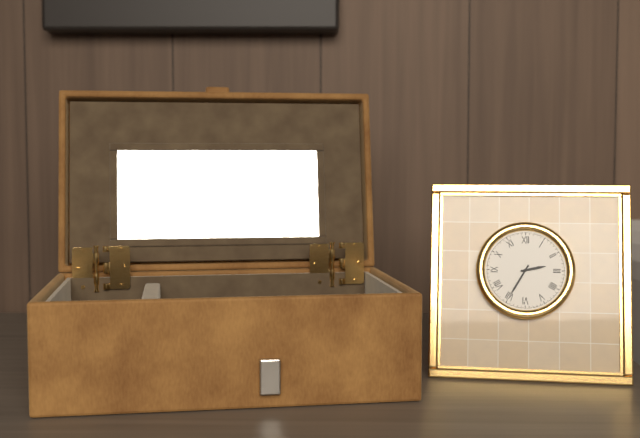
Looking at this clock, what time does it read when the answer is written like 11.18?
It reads 2.35
